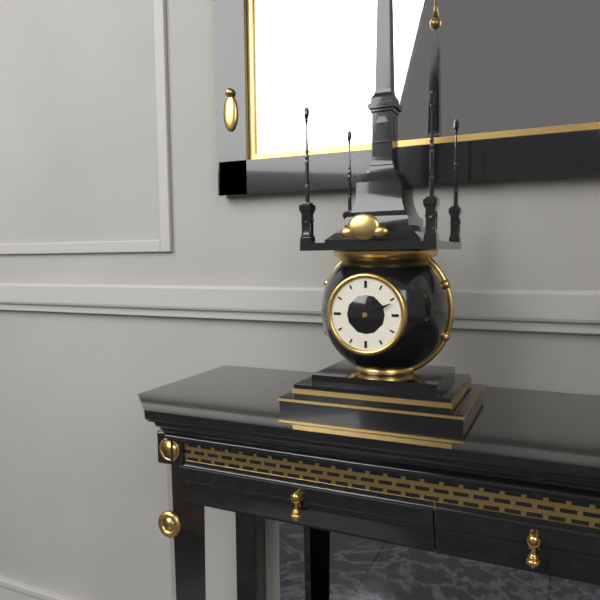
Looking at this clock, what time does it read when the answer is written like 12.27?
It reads 1.11
